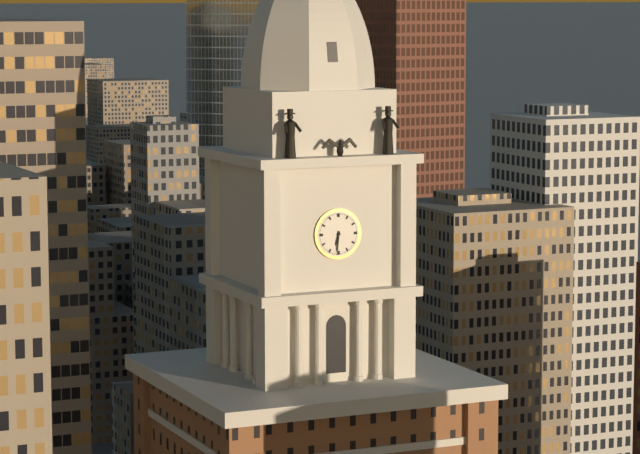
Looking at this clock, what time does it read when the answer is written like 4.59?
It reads 6.31
